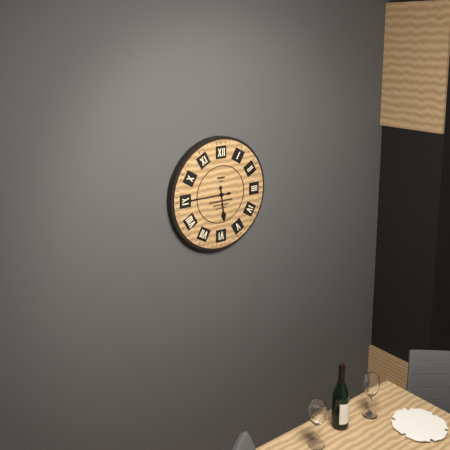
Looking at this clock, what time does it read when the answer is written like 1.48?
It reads 5.45
